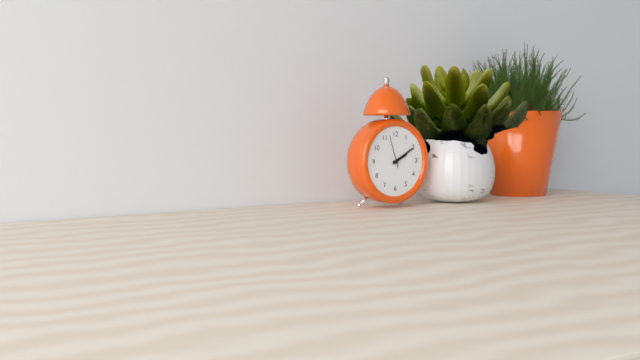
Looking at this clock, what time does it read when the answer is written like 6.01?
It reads 2.10
